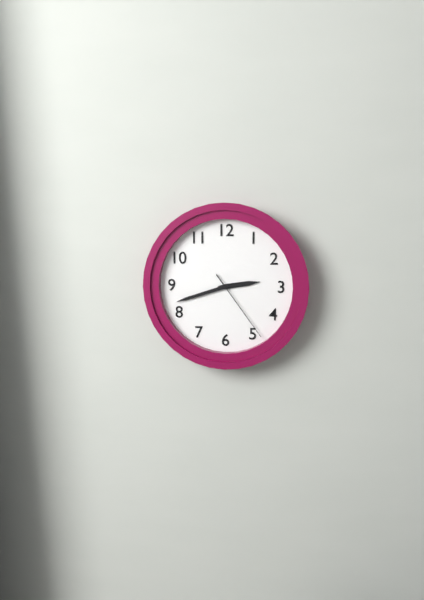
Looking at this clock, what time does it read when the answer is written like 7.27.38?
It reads 2.42.24
